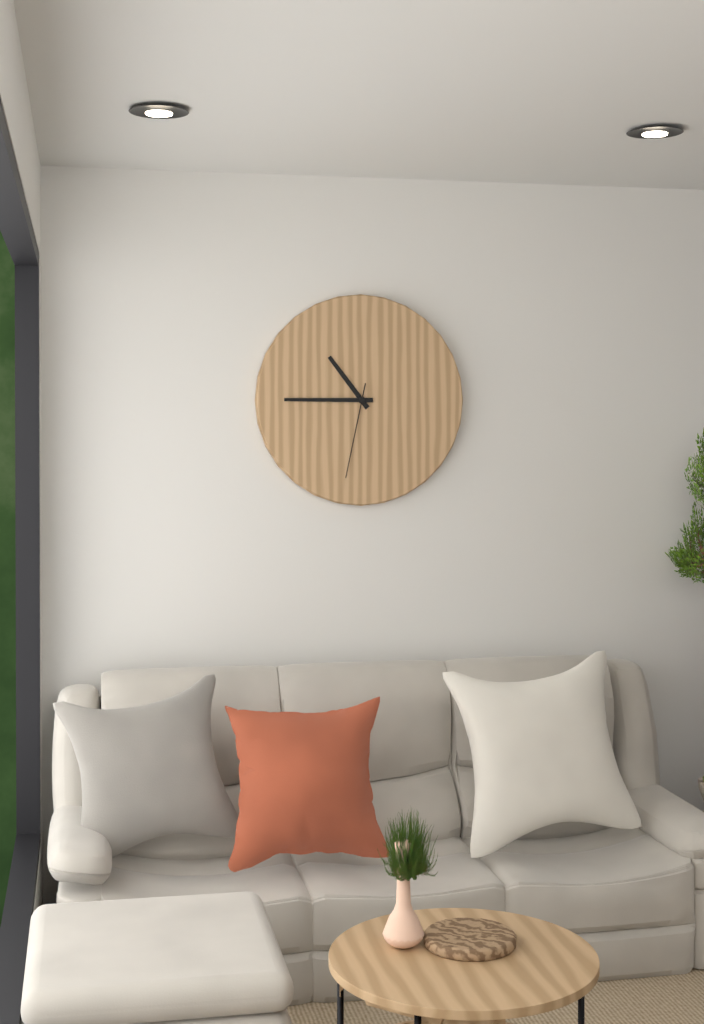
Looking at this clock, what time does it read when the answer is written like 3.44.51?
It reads 10.45.32
